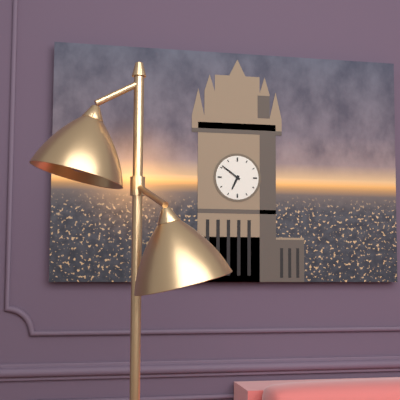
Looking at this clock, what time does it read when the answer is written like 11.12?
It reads 6.51
